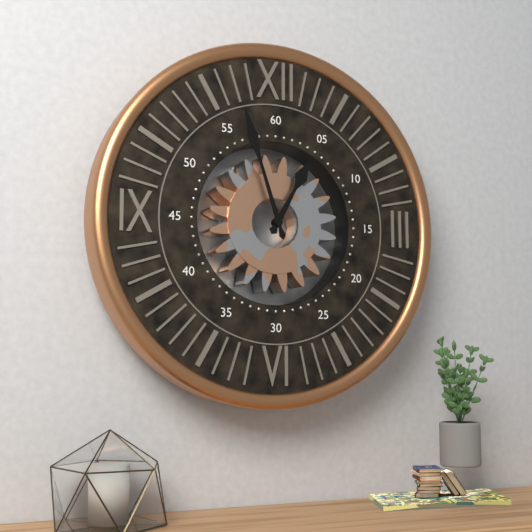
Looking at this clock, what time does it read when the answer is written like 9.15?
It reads 12.57
